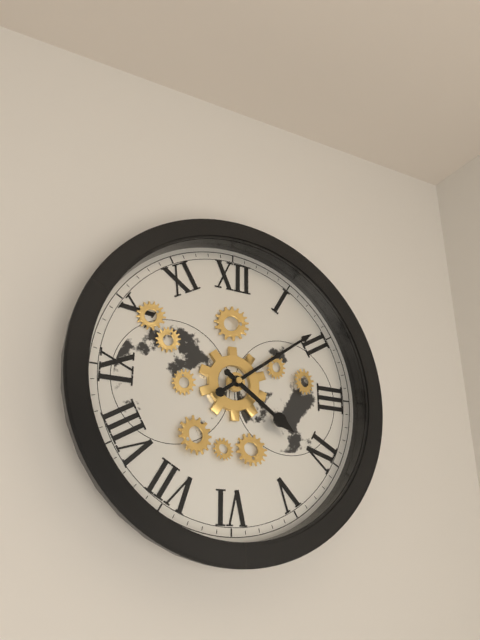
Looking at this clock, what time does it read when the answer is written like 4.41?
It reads 4.09
